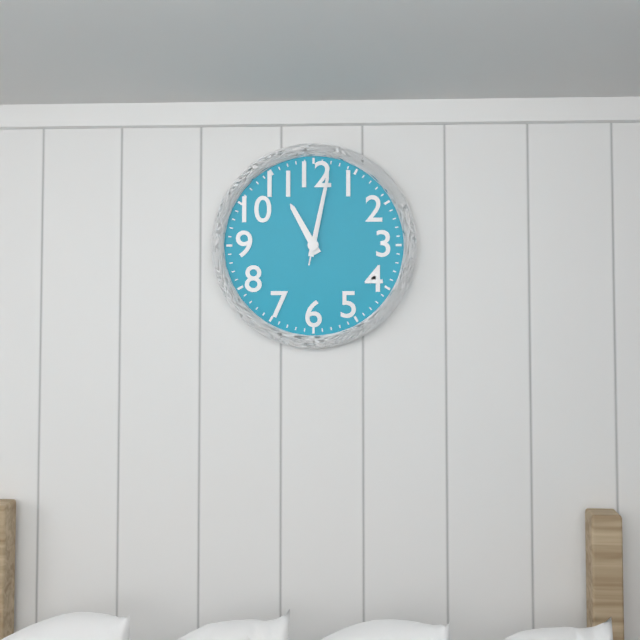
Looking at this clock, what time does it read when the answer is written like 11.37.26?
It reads 11.02.02
